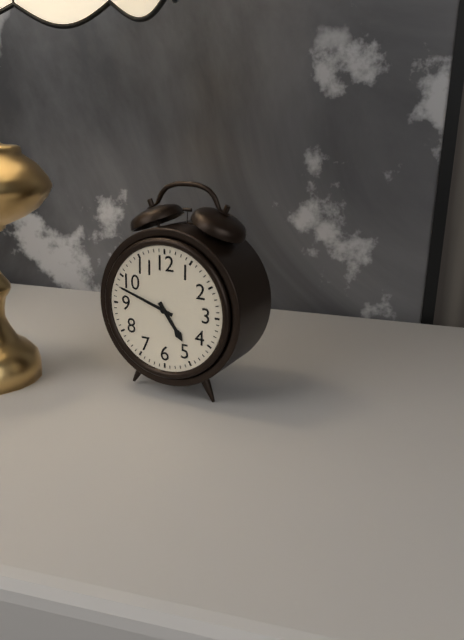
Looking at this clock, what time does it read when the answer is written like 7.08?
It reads 4.48
